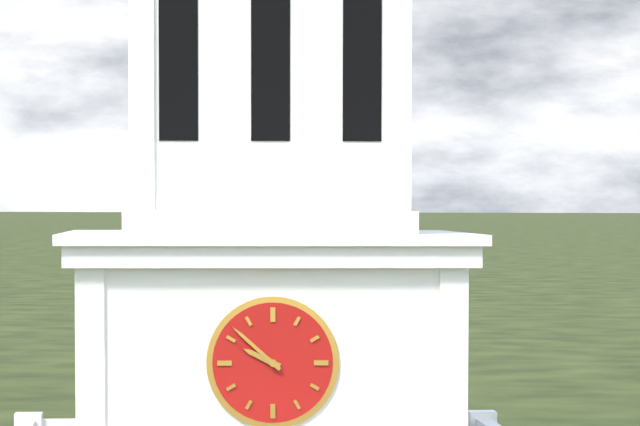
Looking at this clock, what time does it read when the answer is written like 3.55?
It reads 9.52
